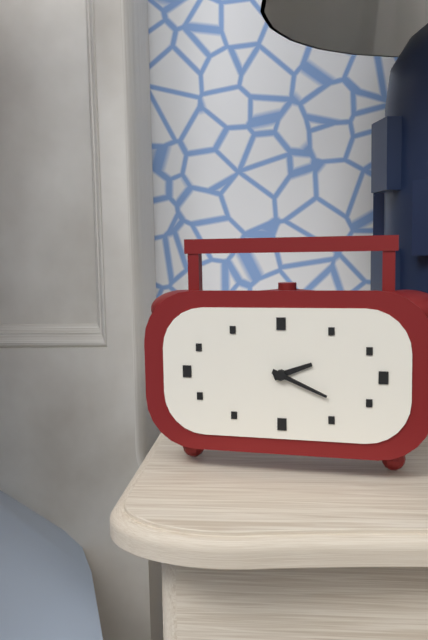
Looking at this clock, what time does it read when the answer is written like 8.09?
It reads 2.19
